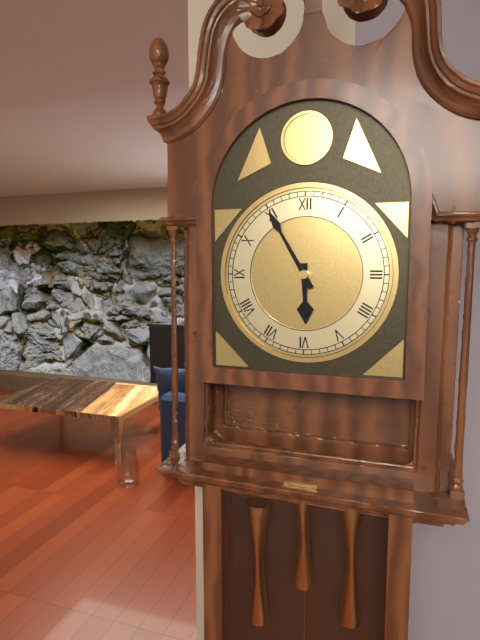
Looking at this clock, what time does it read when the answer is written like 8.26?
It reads 5.55
